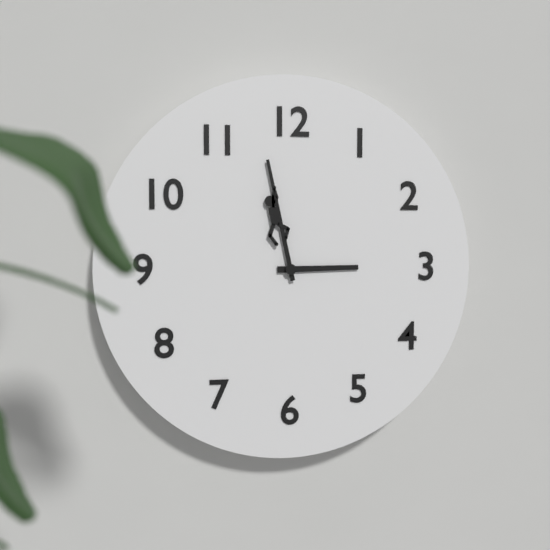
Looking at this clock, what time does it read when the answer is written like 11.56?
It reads 2.58
